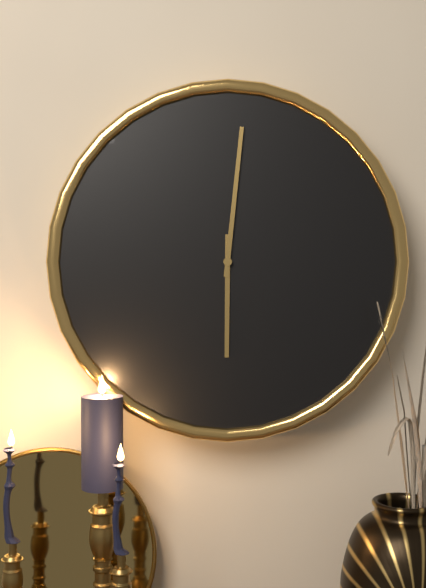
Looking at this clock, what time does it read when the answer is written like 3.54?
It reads 6.01
